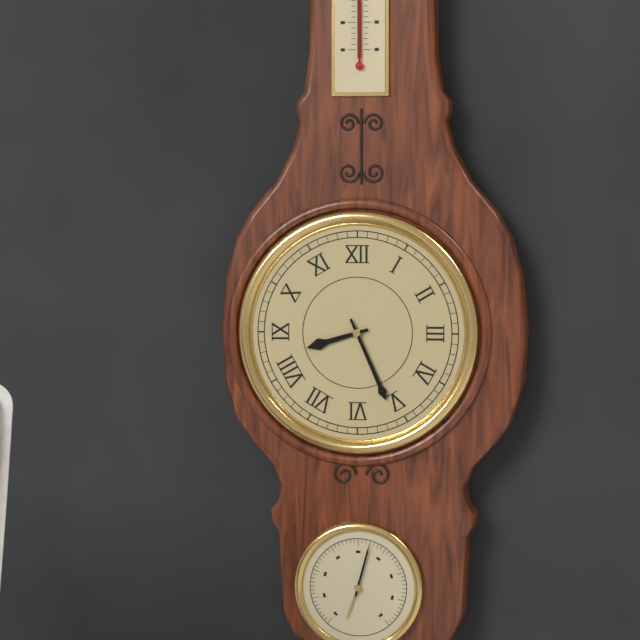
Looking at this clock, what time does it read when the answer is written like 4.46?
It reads 8.26
